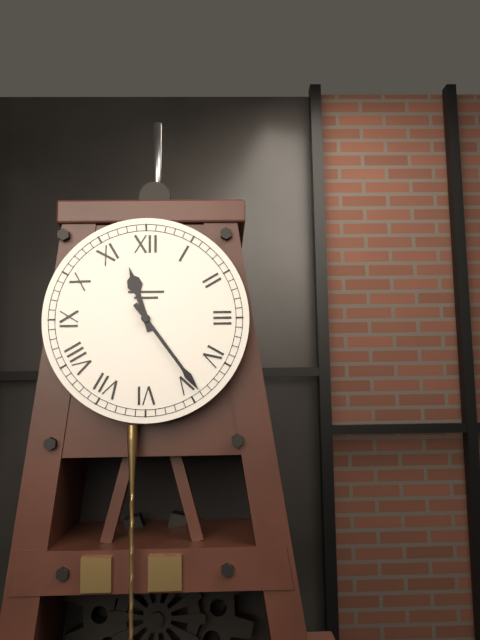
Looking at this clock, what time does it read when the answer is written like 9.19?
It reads 11.24
